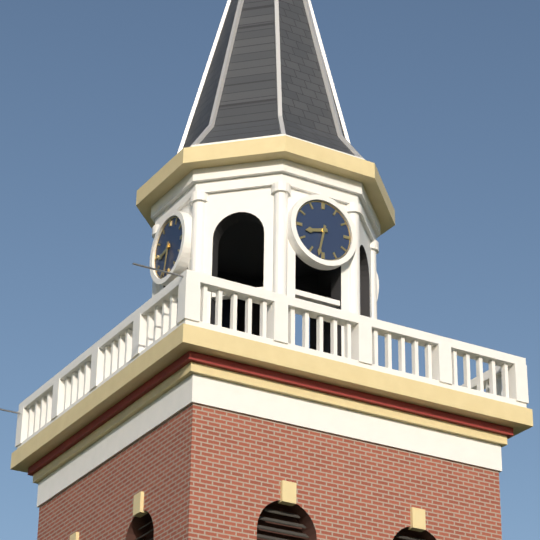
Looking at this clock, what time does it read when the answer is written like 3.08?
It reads 8.32
